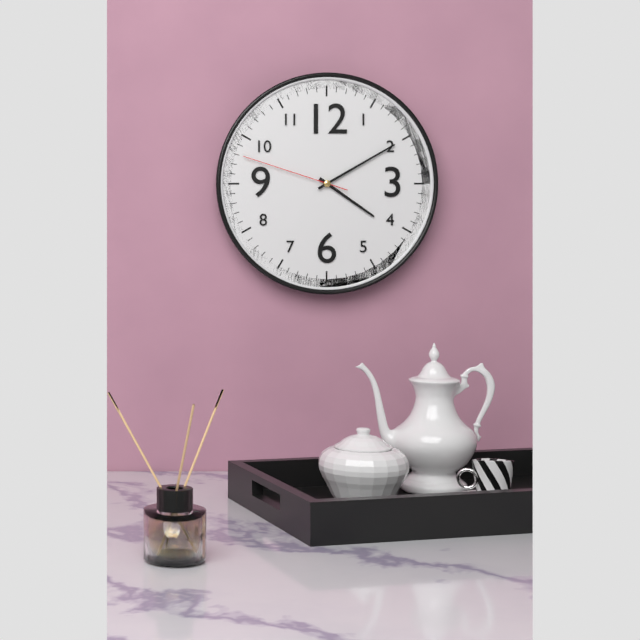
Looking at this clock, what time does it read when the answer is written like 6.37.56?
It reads 4.10.48
